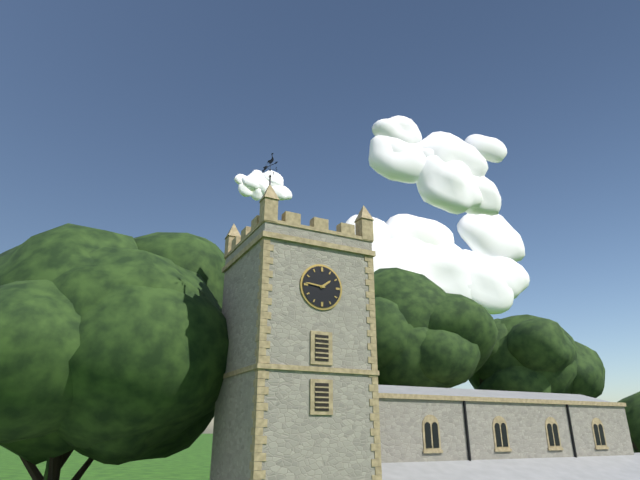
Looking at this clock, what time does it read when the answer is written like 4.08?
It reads 1.46
